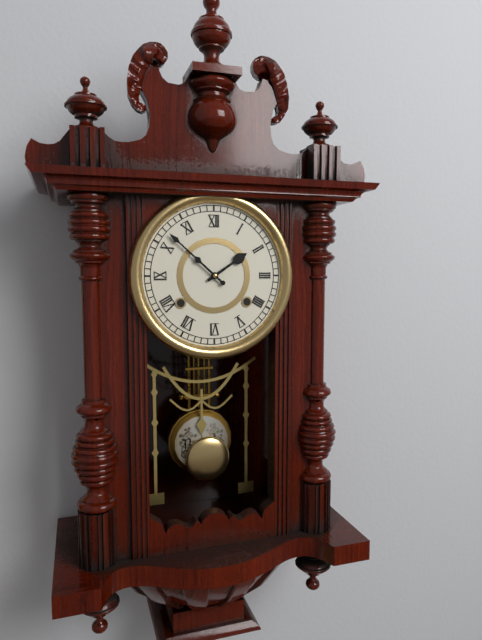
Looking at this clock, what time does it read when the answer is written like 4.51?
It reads 1.52
